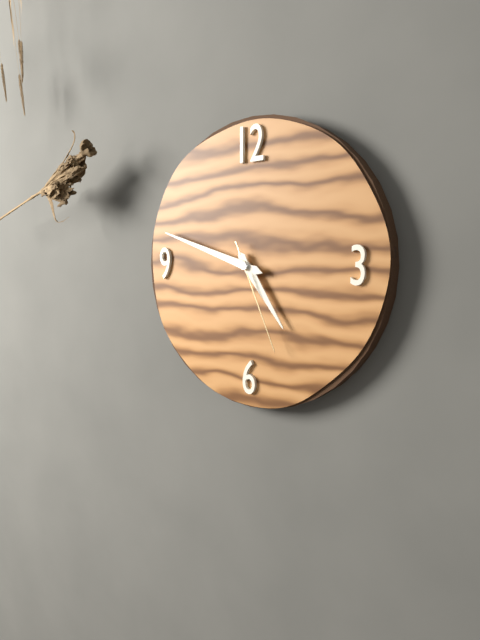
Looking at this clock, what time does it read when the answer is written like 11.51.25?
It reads 4.48.26
